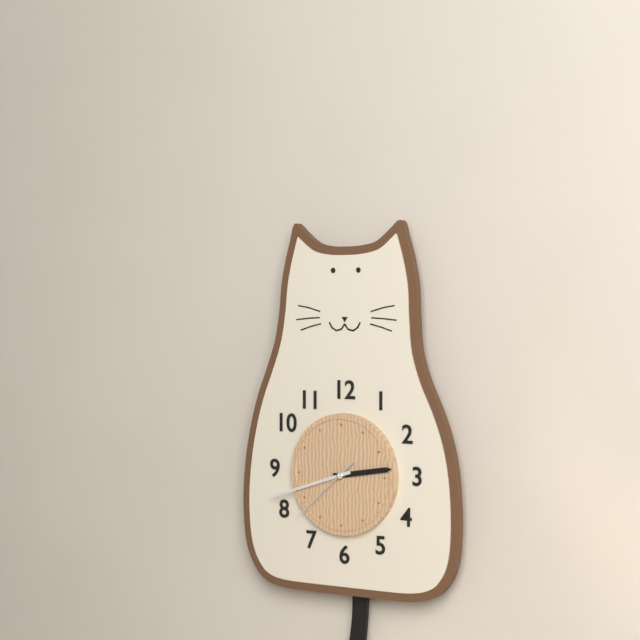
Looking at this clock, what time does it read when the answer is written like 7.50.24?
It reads 2.42.38
